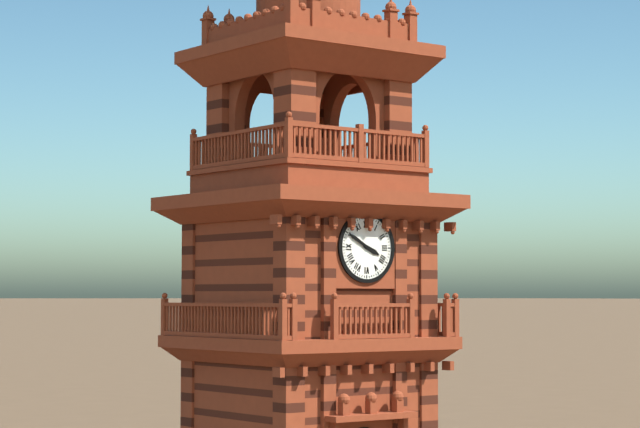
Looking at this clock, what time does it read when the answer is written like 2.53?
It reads 3.50
